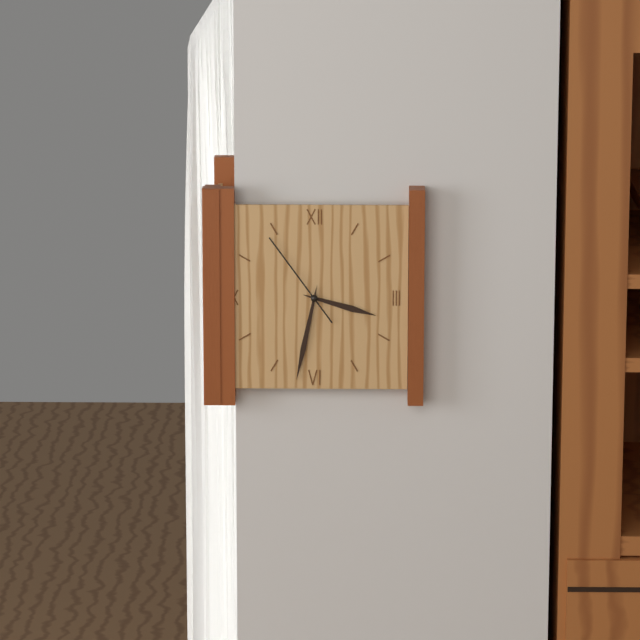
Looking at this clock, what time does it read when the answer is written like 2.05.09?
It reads 3.32.54
